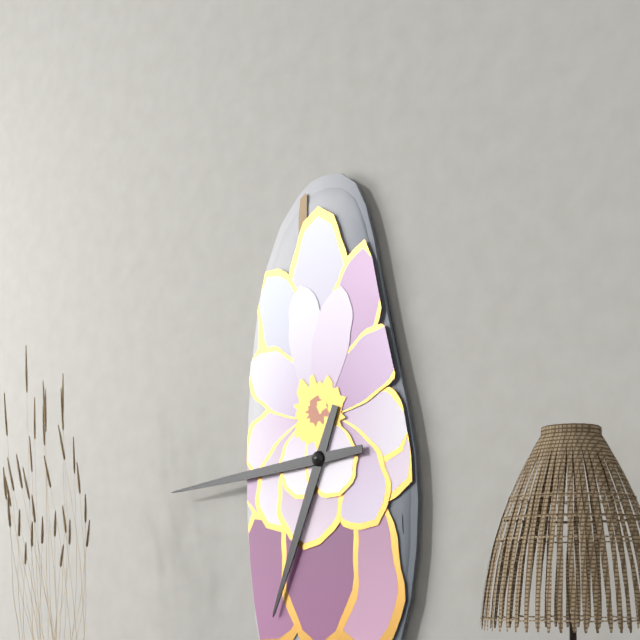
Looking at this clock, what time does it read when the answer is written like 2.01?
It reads 6.44
